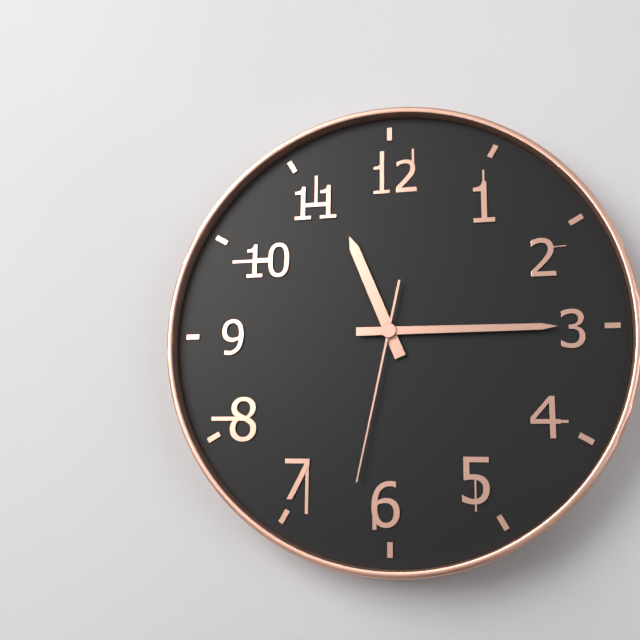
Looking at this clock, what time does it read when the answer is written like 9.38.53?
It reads 11.15.32
